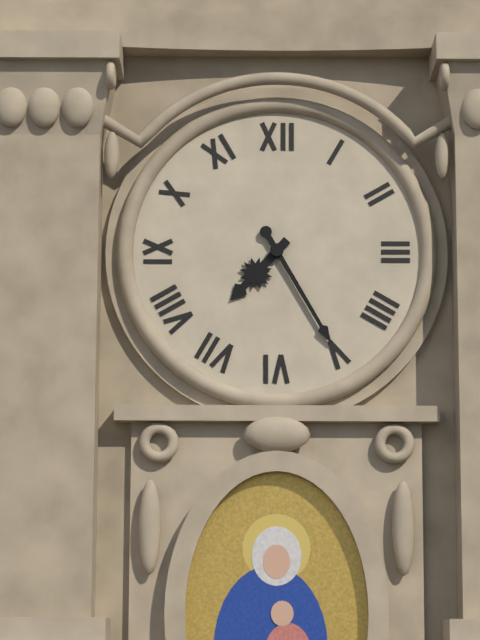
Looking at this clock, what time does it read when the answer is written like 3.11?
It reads 7.25
